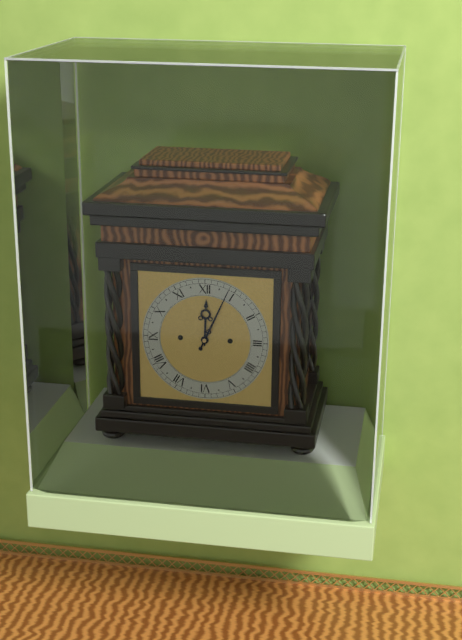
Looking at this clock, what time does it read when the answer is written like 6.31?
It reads 12.04
